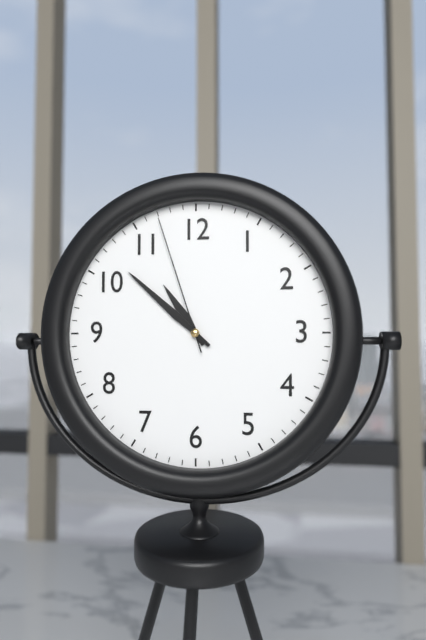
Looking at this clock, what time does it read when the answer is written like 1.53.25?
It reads 10.52.57
